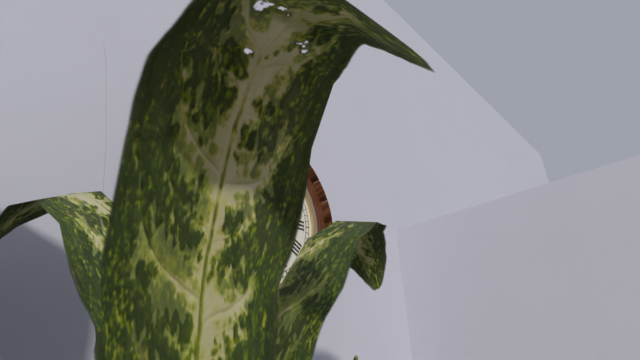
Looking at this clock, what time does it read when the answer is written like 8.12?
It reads 1.08
